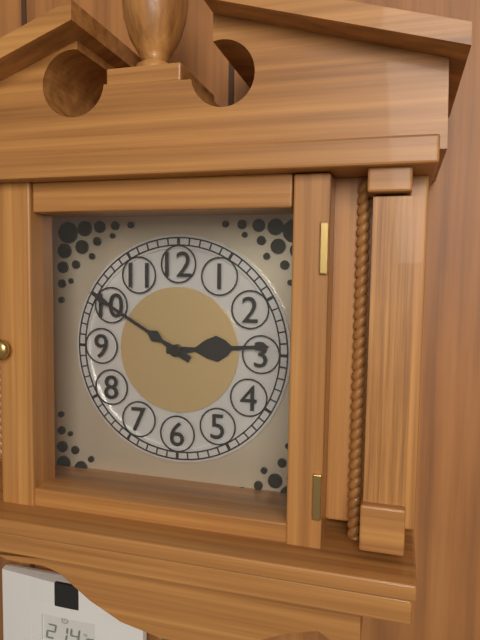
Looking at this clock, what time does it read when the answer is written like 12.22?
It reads 2.50
